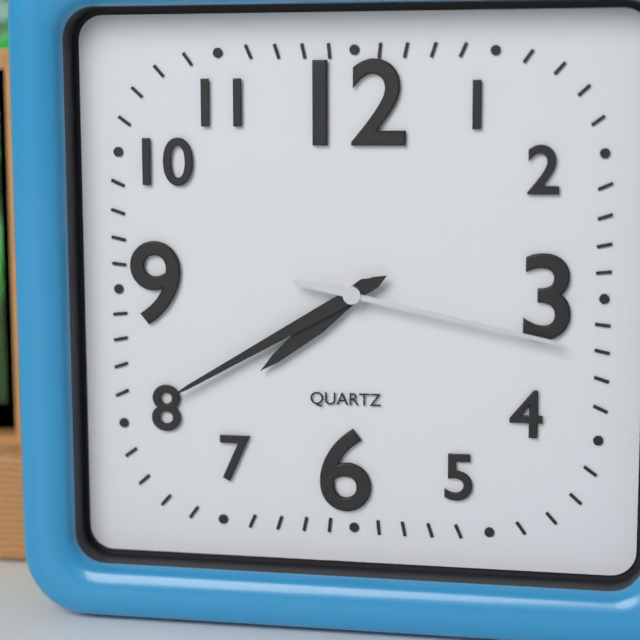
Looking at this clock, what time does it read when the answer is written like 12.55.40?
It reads 7.40.17
